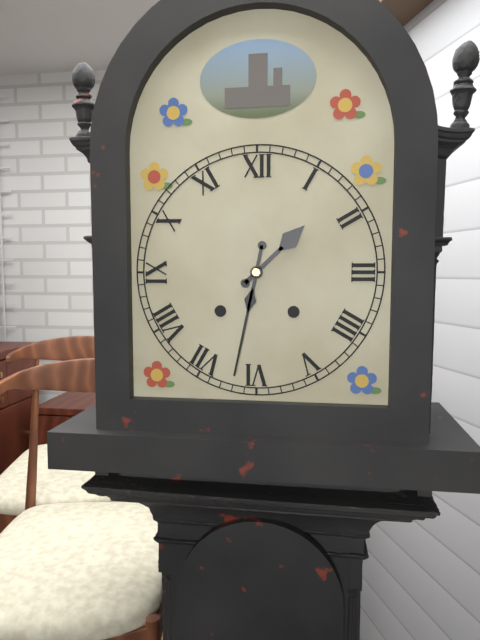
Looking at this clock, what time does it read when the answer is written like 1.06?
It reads 1.32
